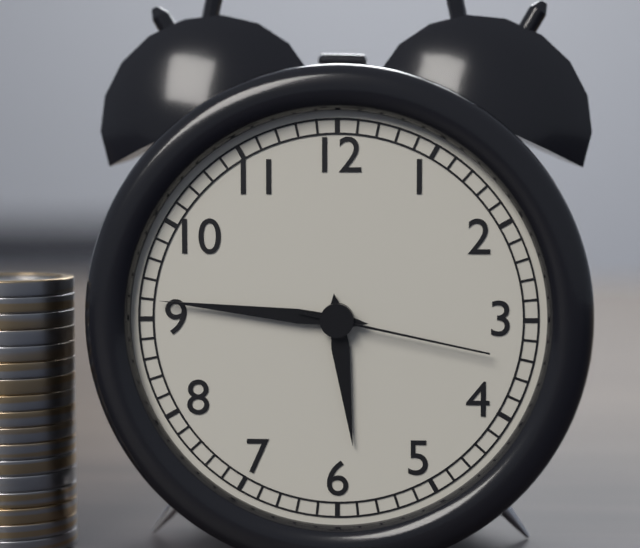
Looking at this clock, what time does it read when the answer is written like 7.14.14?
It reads 5.46.17
